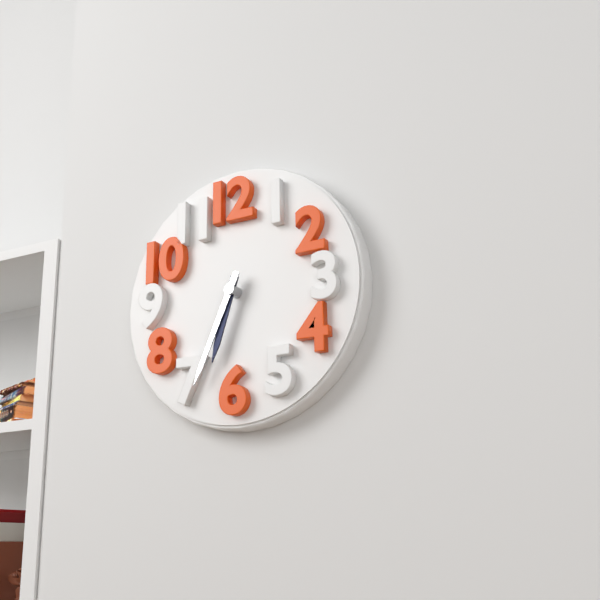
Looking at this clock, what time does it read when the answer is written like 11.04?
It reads 6.34
